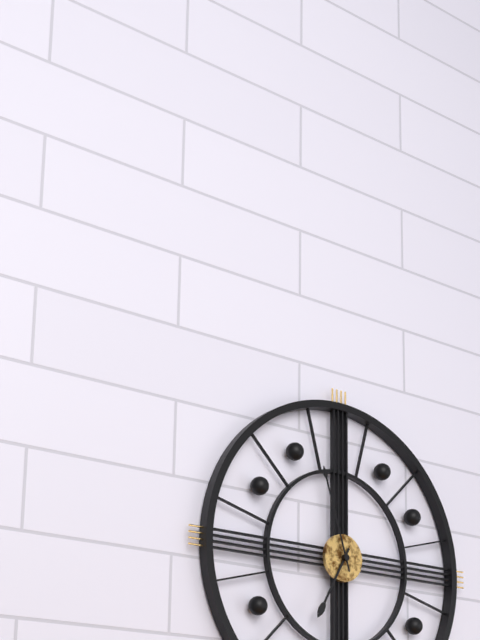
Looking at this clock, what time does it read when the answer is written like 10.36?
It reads 6.57
